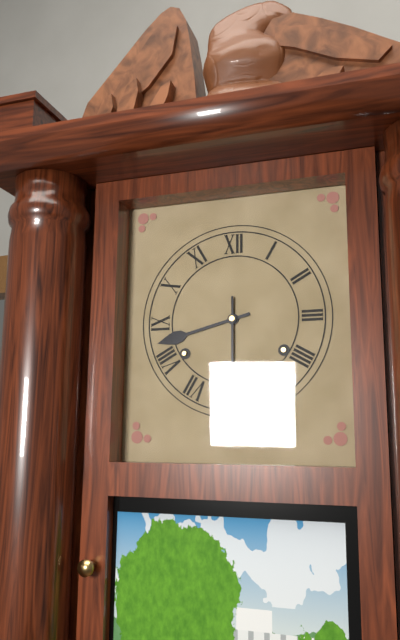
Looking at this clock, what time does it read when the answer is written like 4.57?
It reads 8.30
